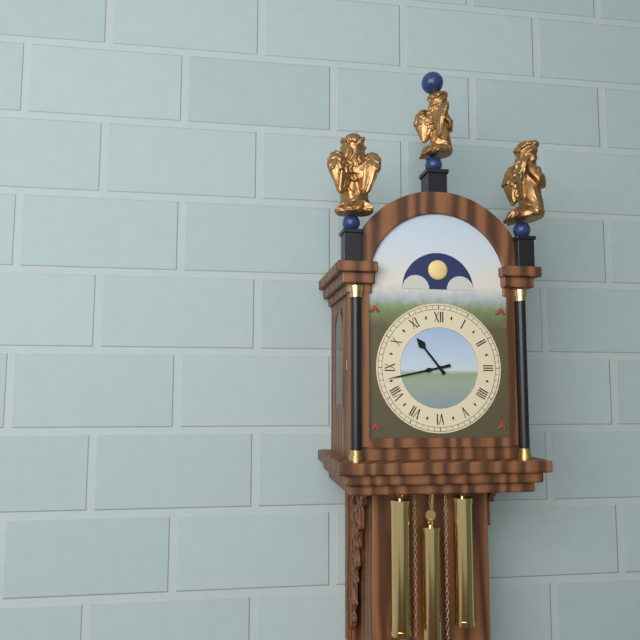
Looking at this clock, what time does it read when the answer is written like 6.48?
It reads 10.43
